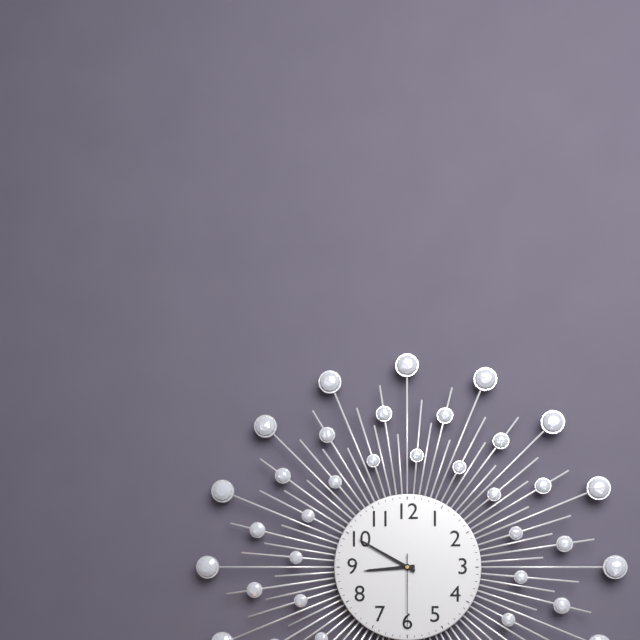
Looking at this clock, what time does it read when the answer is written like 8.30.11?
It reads 8.50.30
